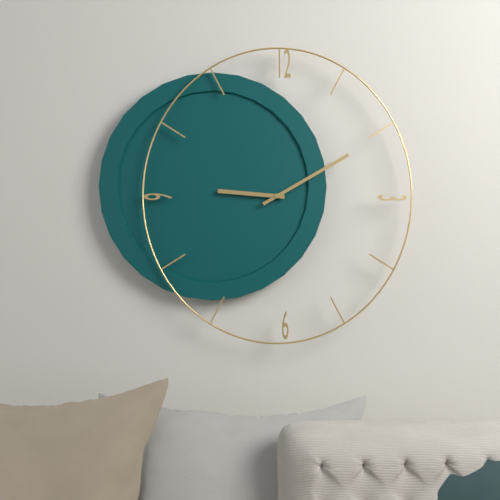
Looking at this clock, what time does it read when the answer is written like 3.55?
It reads 9.10
